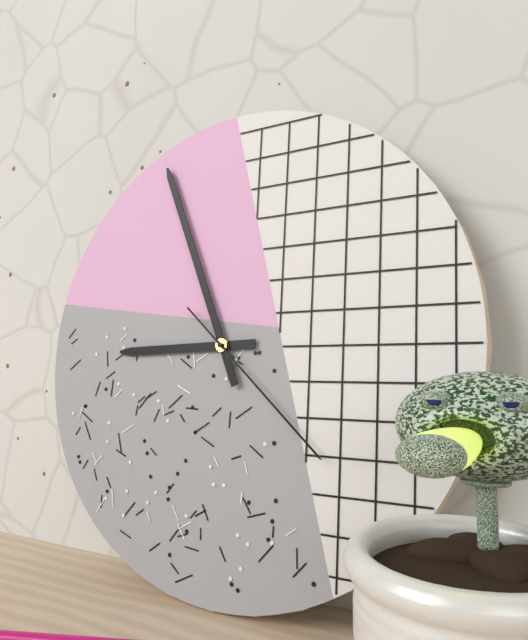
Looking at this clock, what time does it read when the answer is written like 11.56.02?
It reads 8.56.22
